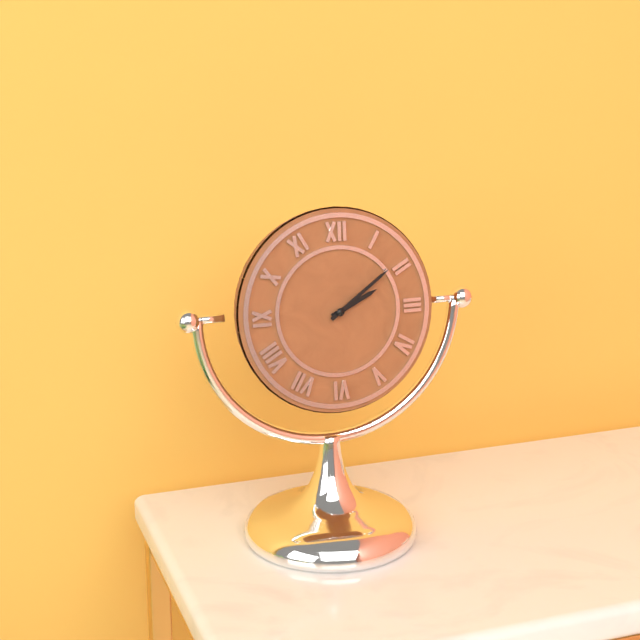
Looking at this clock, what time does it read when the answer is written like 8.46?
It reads 2.09
